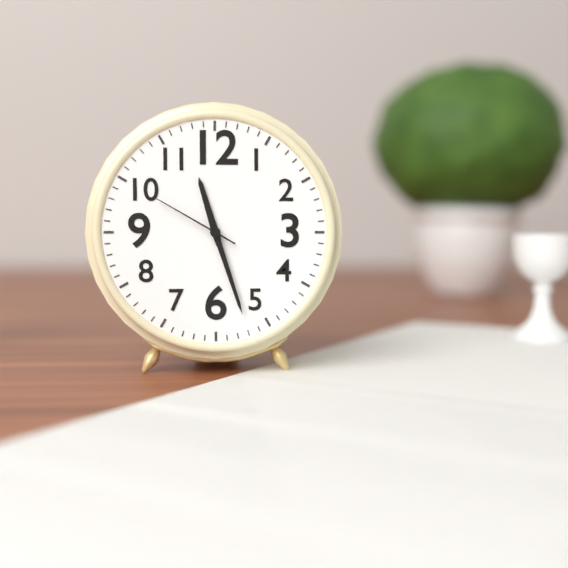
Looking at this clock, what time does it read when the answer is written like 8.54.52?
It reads 11.27.50
